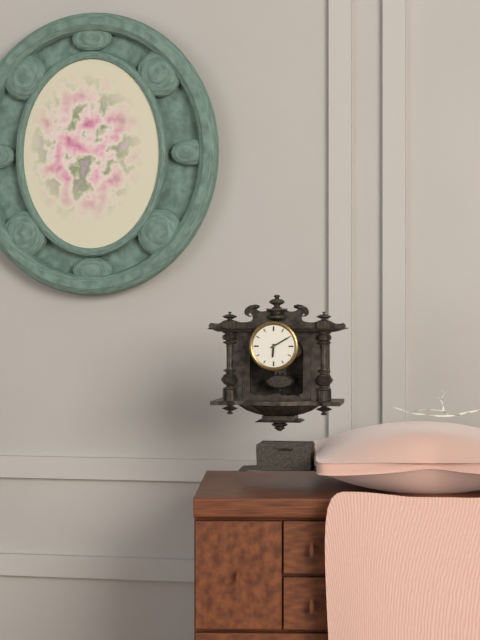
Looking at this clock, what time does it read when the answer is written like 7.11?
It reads 6.10
